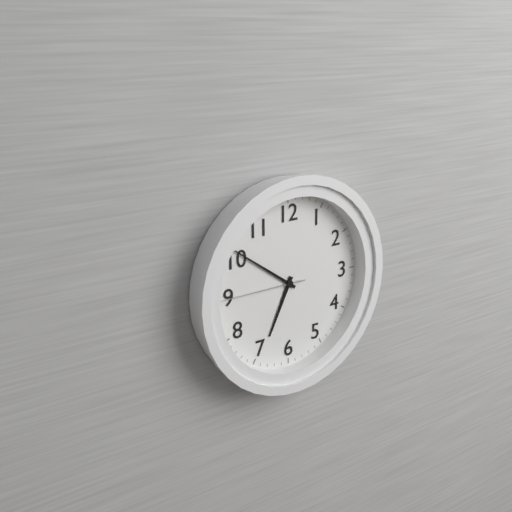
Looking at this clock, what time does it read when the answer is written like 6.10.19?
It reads 6.51.45
